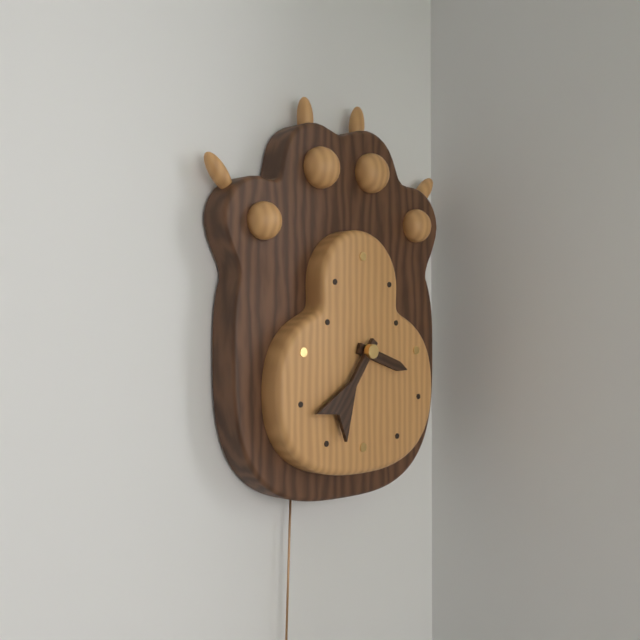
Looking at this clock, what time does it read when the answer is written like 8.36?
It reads 3.36
